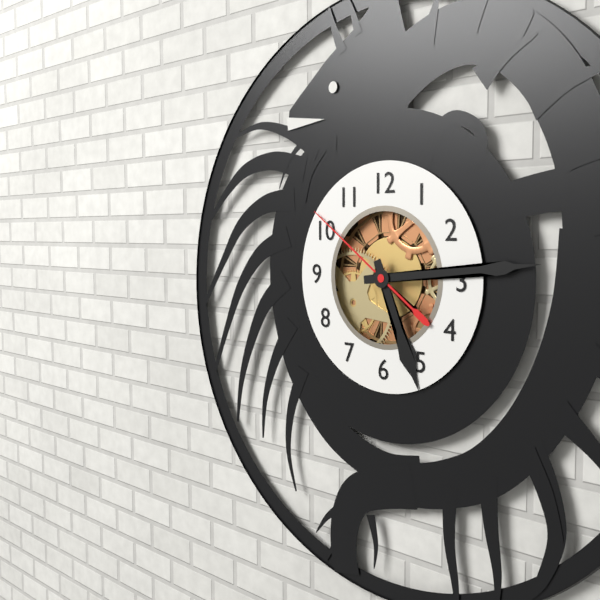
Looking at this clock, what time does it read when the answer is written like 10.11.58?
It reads 5.14.51
